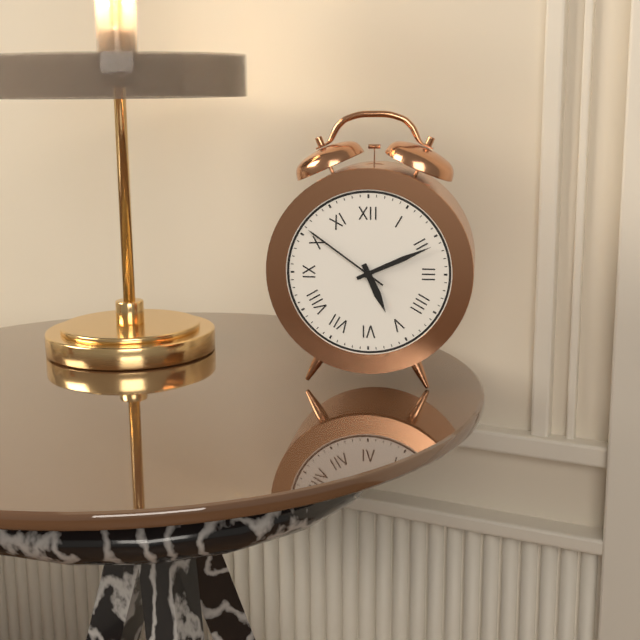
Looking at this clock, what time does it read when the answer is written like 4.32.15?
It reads 5.11.51
